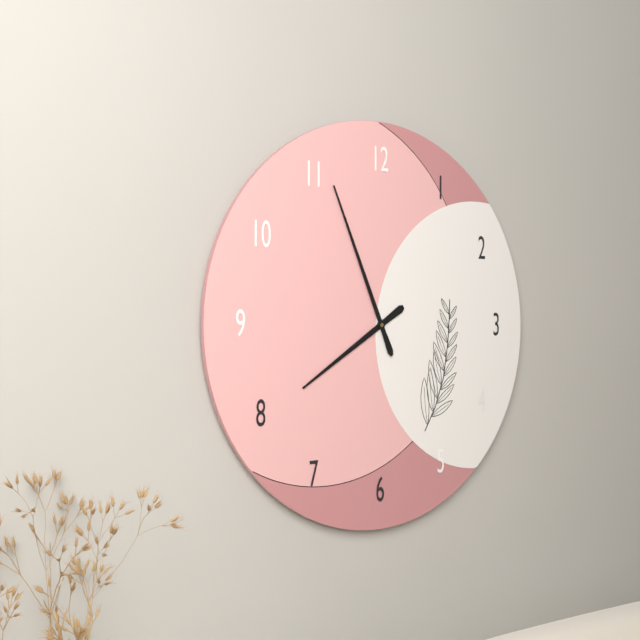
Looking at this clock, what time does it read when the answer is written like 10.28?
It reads 7.56
